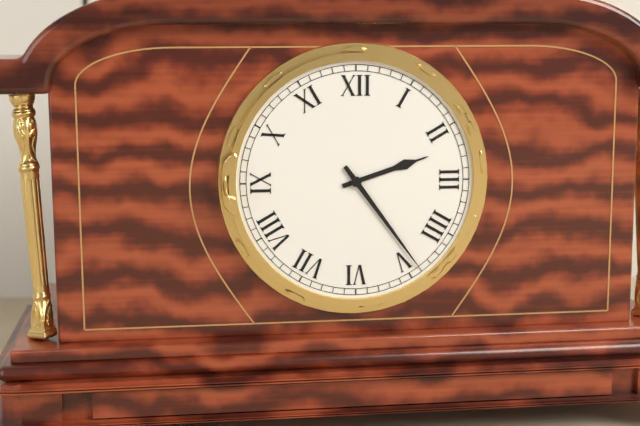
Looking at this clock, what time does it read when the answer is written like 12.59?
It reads 2.24
